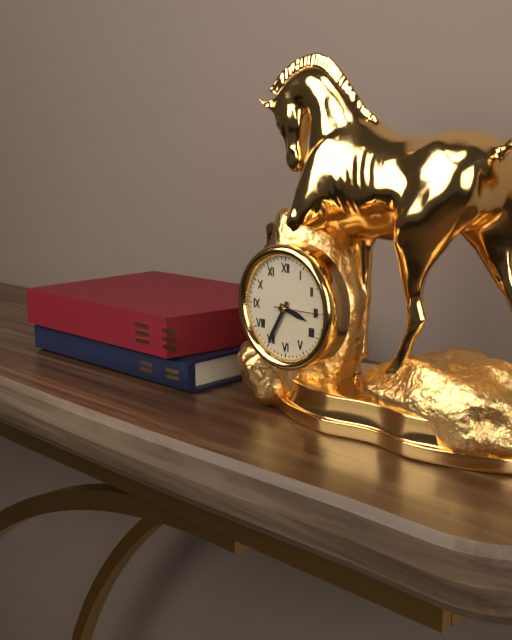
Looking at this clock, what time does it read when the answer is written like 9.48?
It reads 3.35
